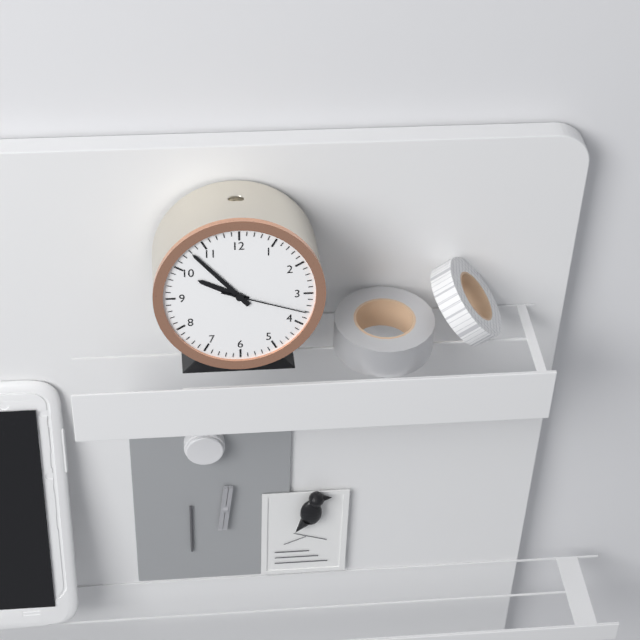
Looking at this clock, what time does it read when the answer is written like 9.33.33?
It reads 9.53.18
